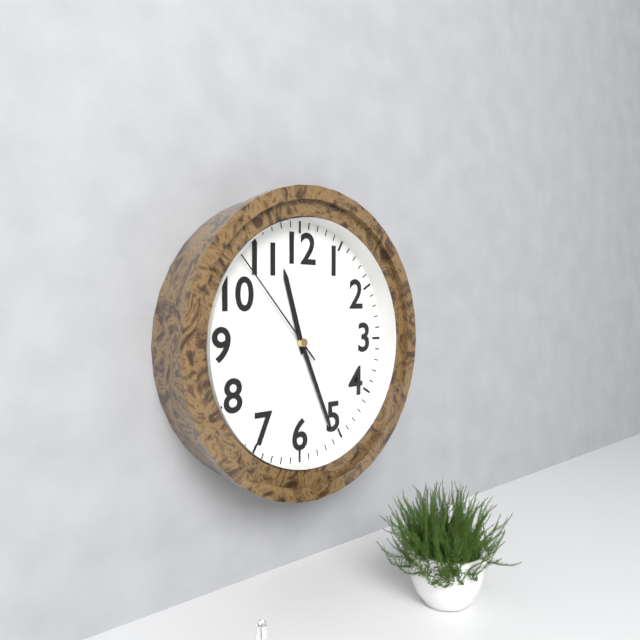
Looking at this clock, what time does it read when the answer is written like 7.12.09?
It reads 11.26.53
